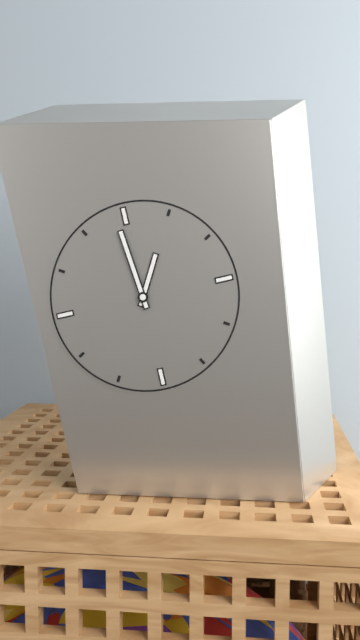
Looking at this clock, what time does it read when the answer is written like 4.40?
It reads 12.59
